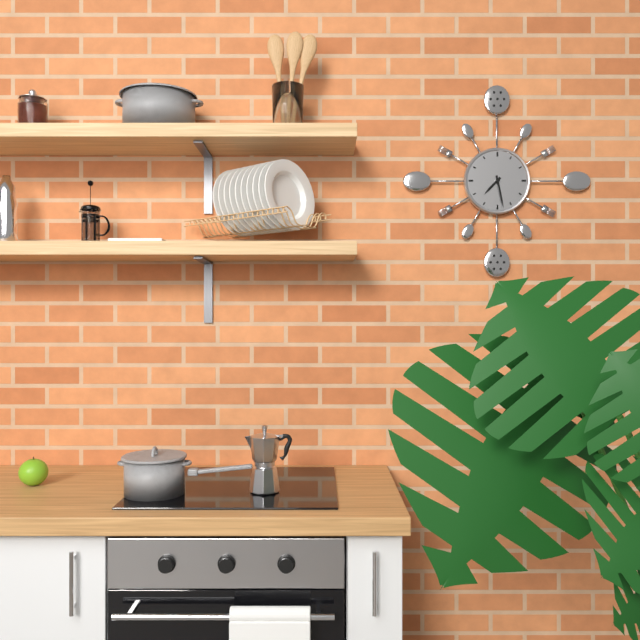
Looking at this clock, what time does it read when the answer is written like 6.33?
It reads 7.28
